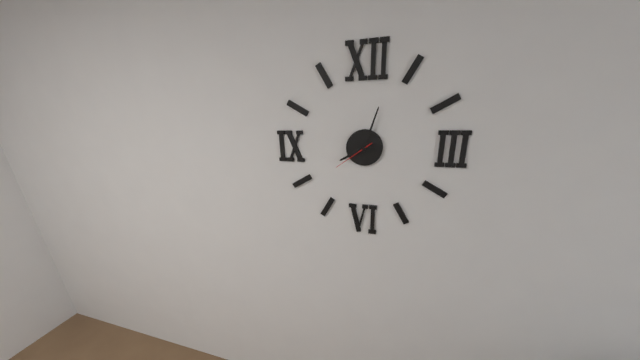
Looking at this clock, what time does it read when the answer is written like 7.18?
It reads 8.03
